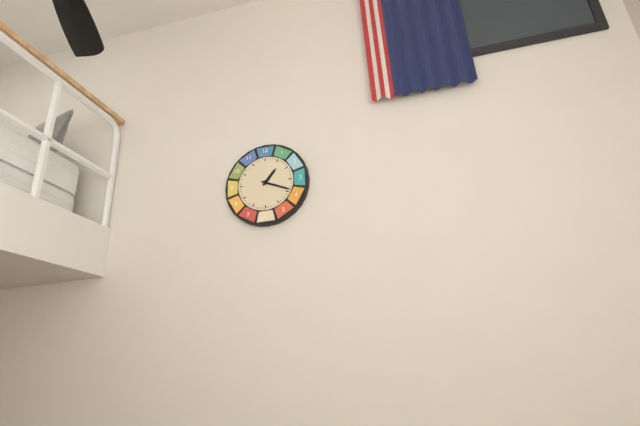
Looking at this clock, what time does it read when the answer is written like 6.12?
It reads 1.19
